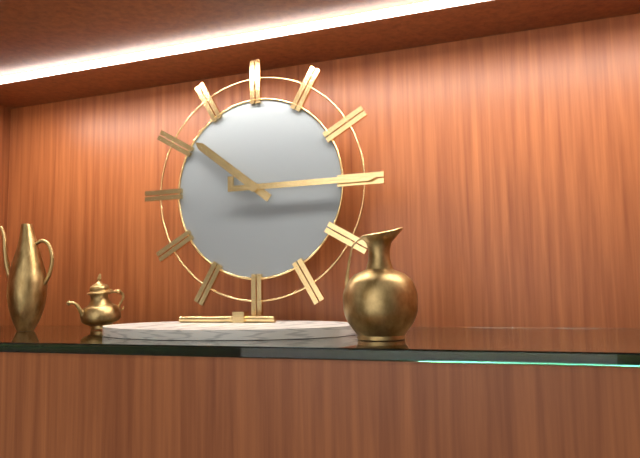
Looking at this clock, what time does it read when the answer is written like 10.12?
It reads 10.15
